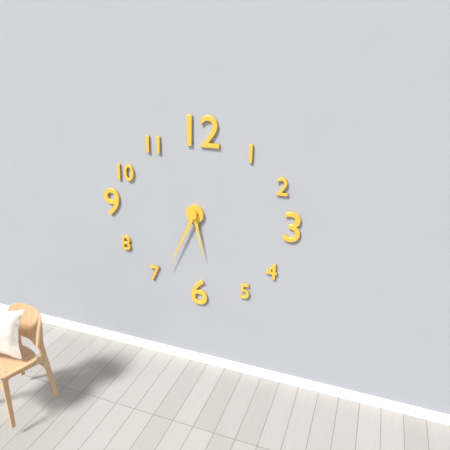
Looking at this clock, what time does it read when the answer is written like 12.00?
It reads 5.34
